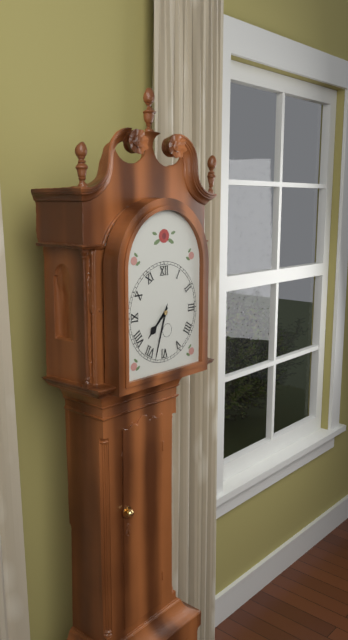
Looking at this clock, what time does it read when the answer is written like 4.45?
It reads 7.33
